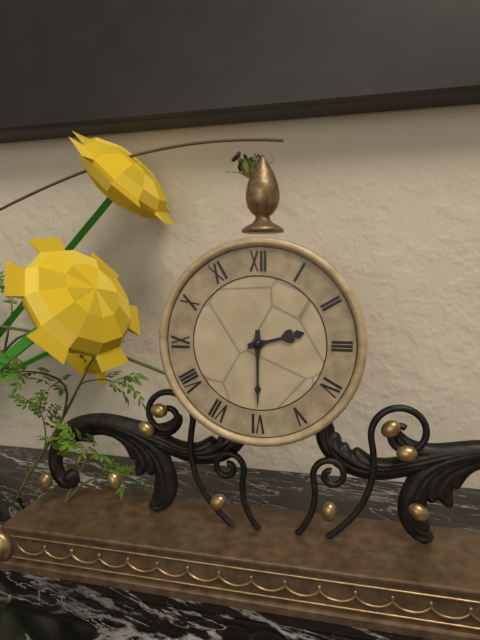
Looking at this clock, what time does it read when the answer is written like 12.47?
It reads 2.30
